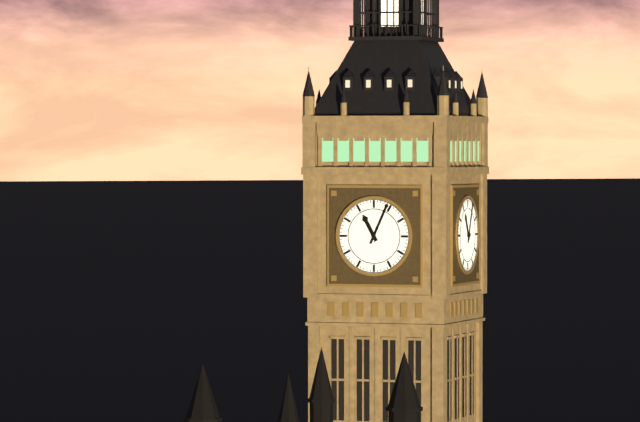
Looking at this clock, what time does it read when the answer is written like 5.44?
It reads 11.04
